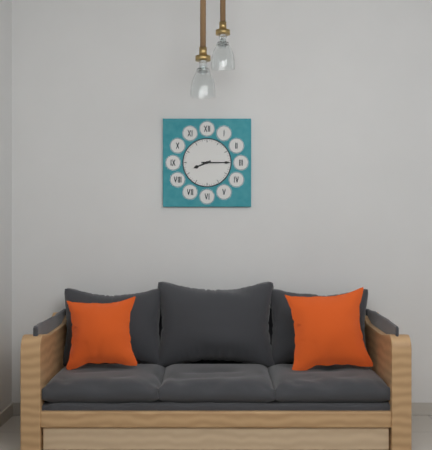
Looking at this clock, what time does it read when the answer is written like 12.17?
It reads 8.15
